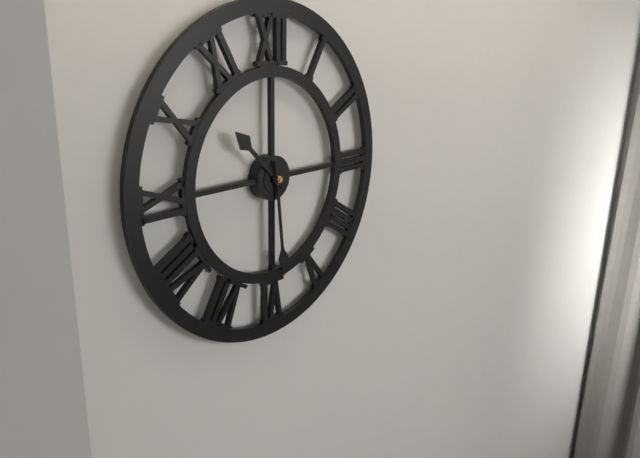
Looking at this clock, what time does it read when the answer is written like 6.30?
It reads 10.29
